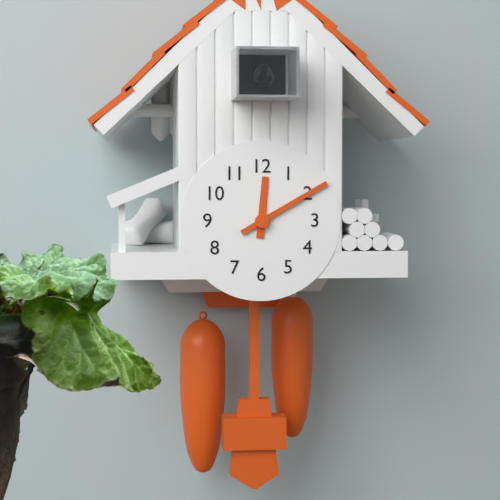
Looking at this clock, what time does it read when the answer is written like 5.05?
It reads 12.10
